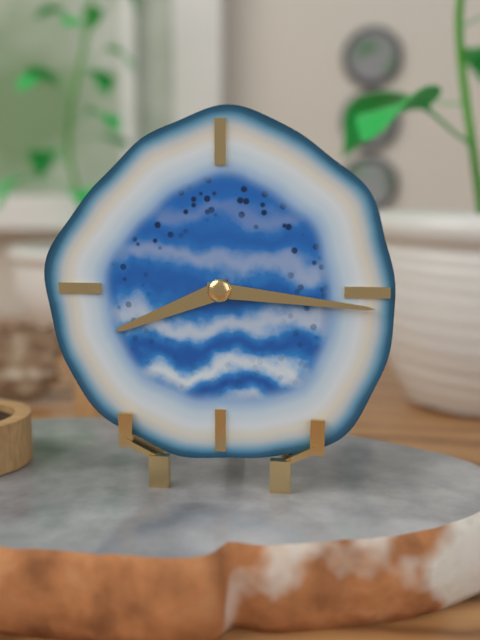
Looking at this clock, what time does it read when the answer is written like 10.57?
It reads 8.16
